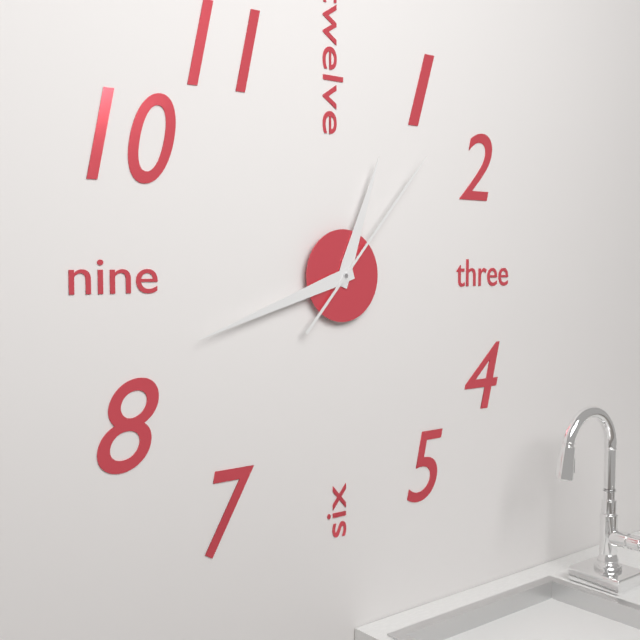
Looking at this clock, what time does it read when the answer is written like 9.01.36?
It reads 12.42.07
